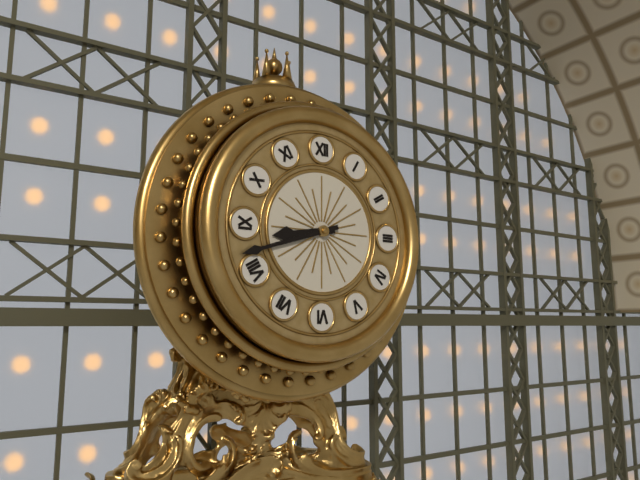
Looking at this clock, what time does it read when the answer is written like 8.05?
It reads 8.42
